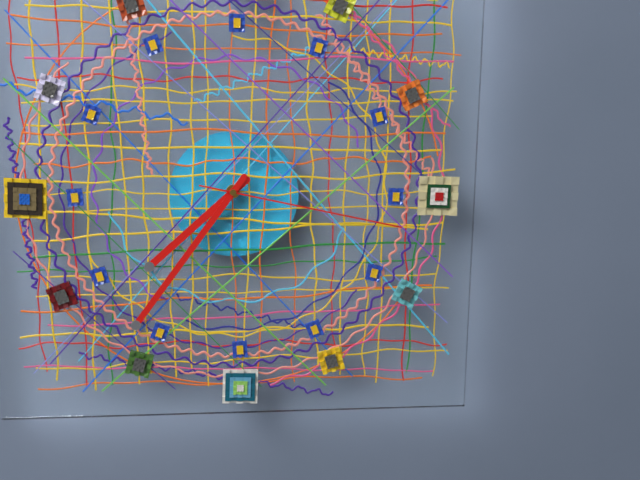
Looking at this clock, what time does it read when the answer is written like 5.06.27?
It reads 7.36.17
